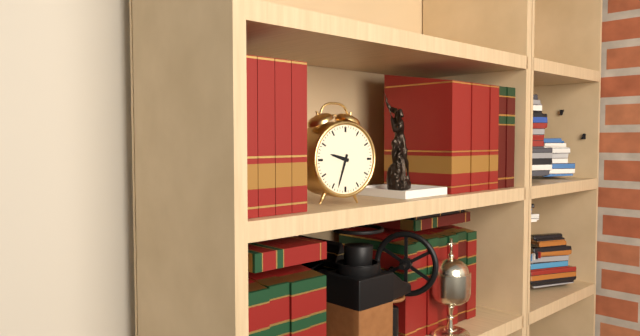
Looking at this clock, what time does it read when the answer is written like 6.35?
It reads 9.33
